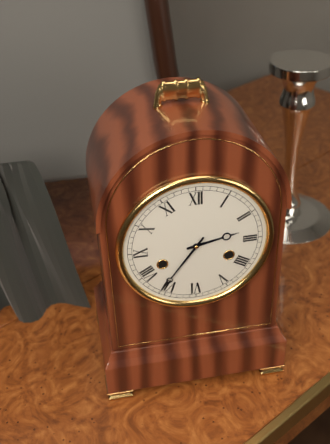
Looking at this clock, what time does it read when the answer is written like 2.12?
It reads 2.36
